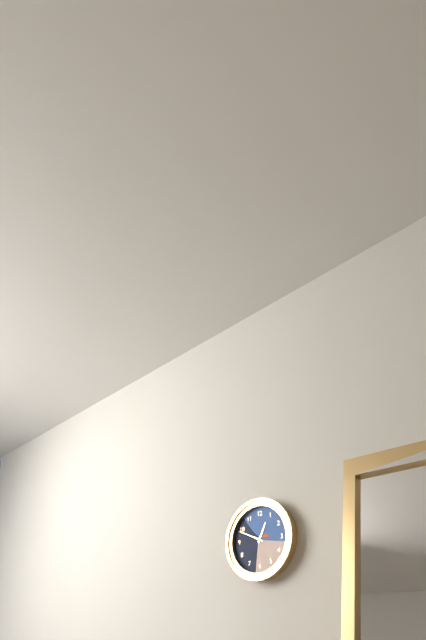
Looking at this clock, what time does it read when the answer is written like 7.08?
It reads 12.49
